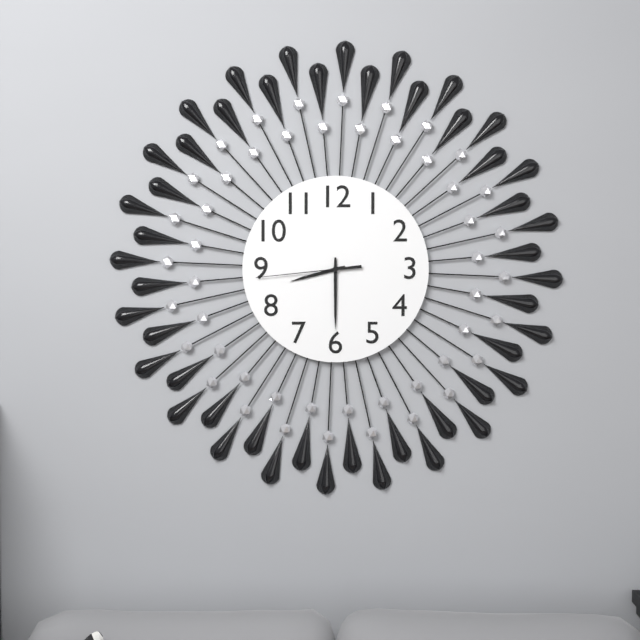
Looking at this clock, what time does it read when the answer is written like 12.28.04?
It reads 8.30.44
